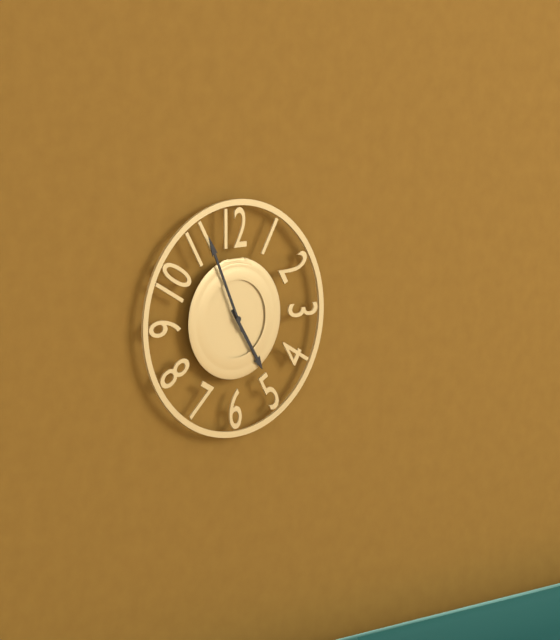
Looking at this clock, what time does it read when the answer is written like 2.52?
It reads 4.56
